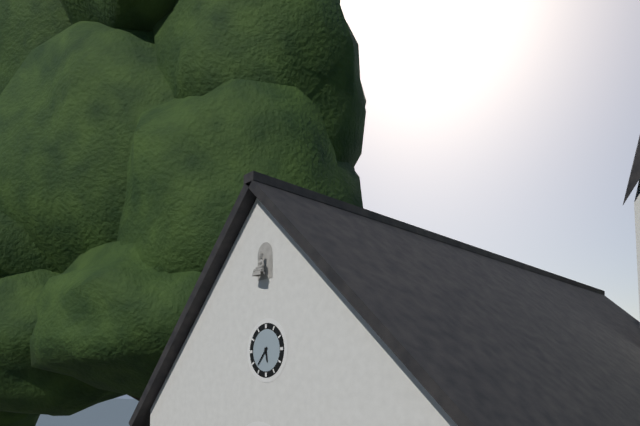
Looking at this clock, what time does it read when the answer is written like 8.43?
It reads 5.37
